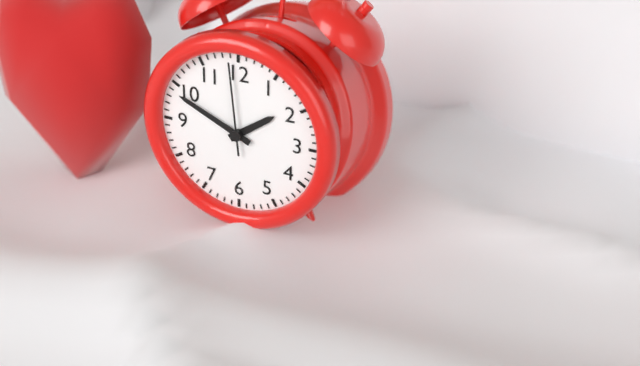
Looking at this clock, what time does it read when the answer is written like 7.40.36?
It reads 1.49.59
